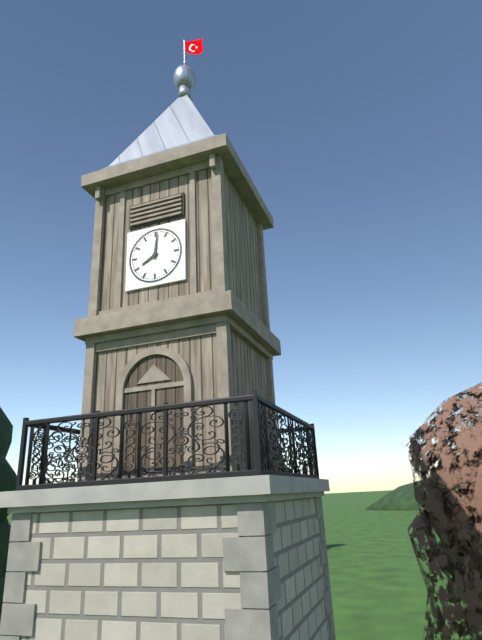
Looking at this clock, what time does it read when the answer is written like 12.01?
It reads 8.01
